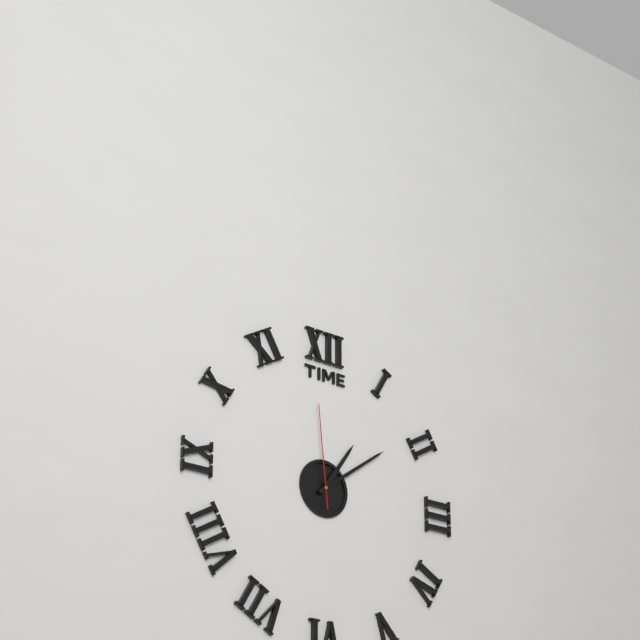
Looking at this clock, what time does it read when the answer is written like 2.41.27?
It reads 1.09.59
